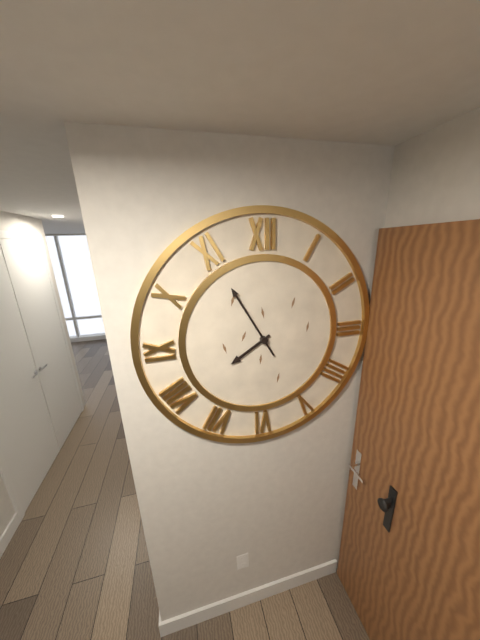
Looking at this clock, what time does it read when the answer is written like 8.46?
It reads 7.55
